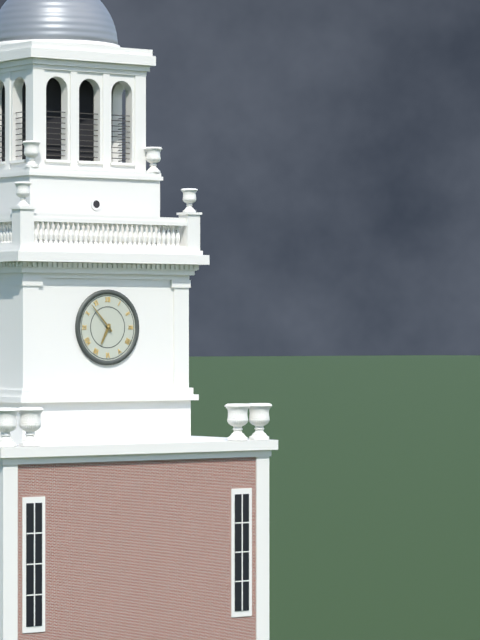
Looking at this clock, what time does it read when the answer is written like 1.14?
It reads 6.53
